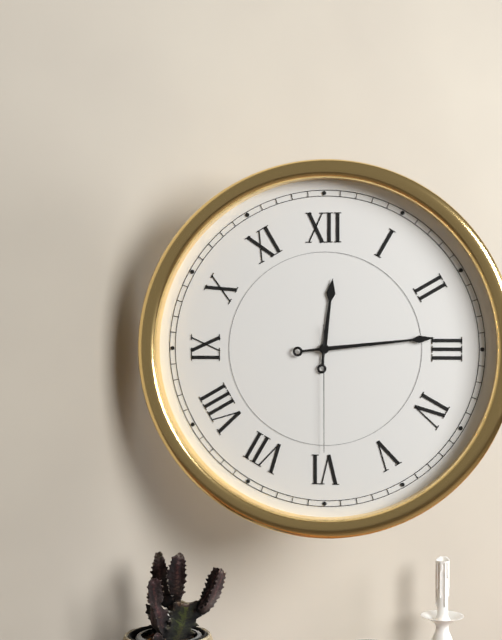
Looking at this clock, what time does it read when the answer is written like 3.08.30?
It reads 12.14.30
